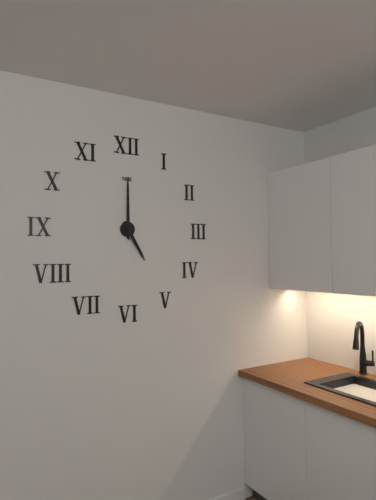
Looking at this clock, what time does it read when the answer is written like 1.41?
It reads 5.00
